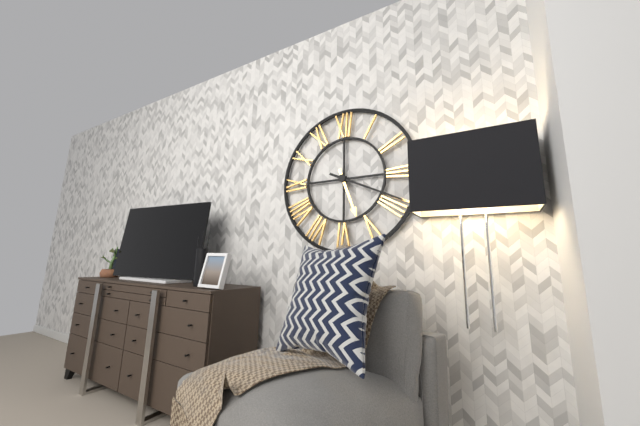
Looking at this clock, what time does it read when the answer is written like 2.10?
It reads 5.19
